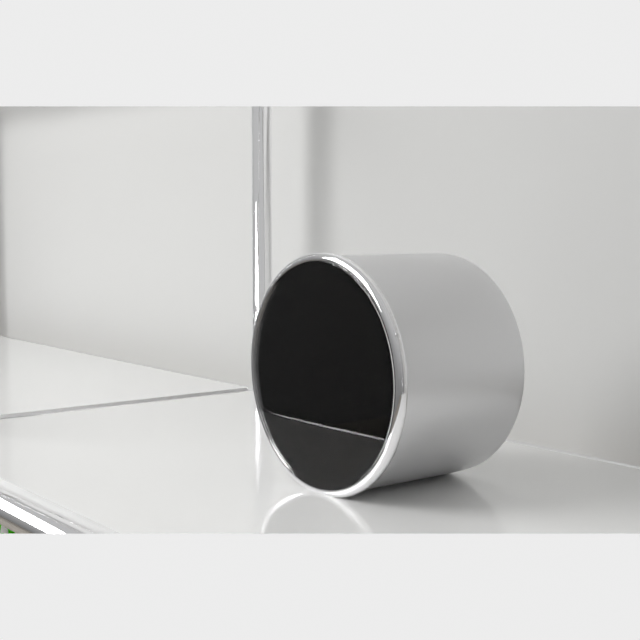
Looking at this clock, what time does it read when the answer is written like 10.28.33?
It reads 9.29.49
